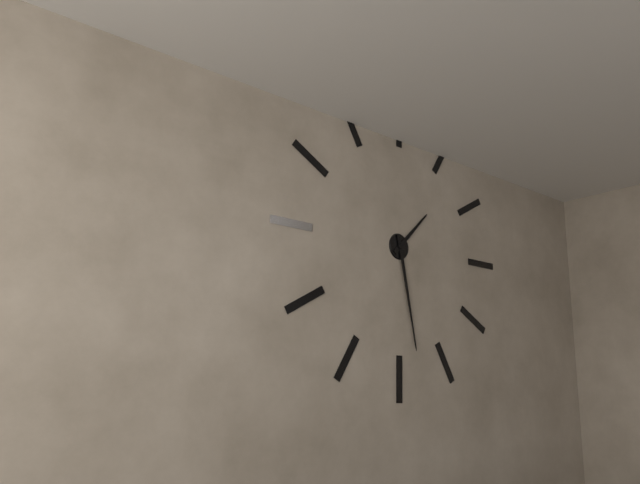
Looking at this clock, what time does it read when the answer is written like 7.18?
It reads 1.28
